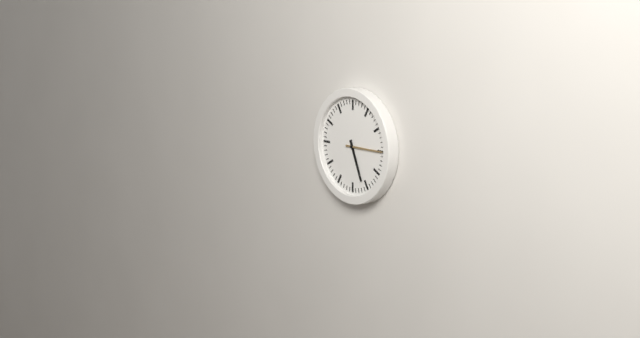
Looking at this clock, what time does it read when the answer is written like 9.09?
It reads 5.15
